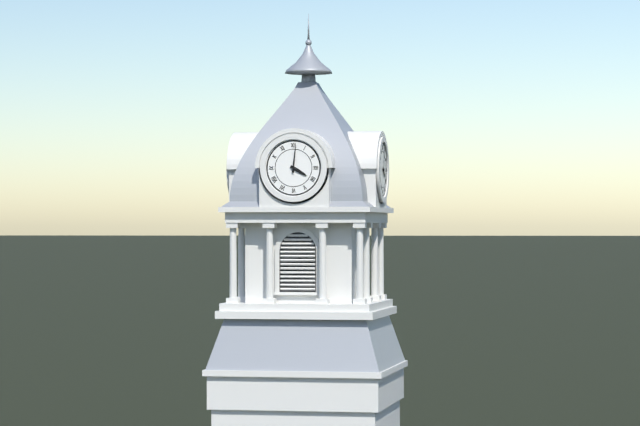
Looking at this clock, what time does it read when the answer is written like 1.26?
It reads 4.01
